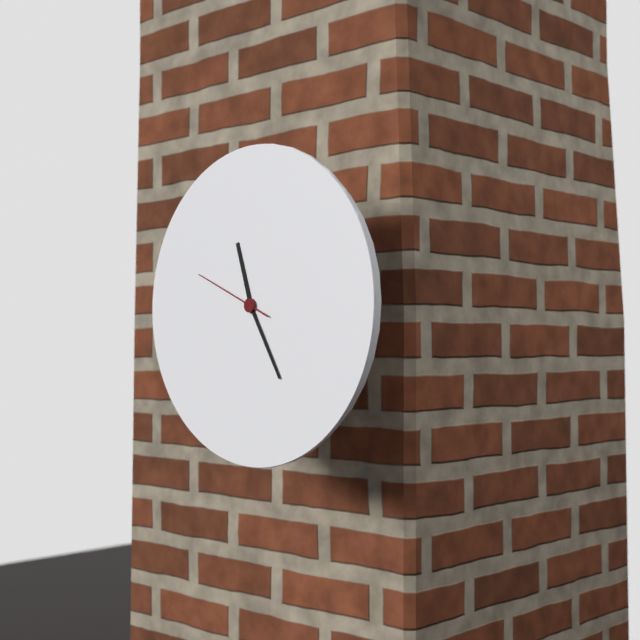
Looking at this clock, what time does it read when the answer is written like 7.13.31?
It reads 11.25.49
